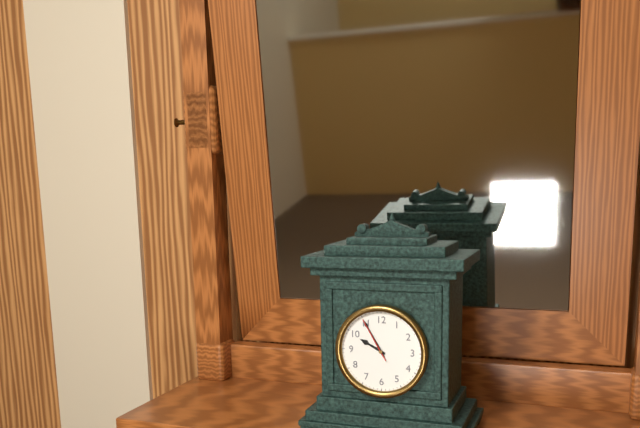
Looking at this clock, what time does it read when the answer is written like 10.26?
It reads 9.55
